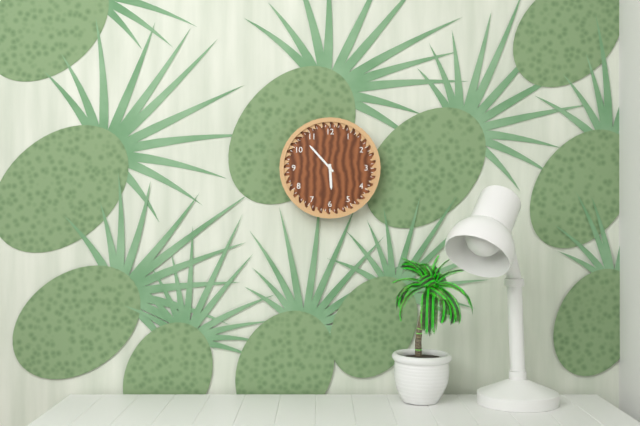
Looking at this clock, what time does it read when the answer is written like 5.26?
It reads 5.53
